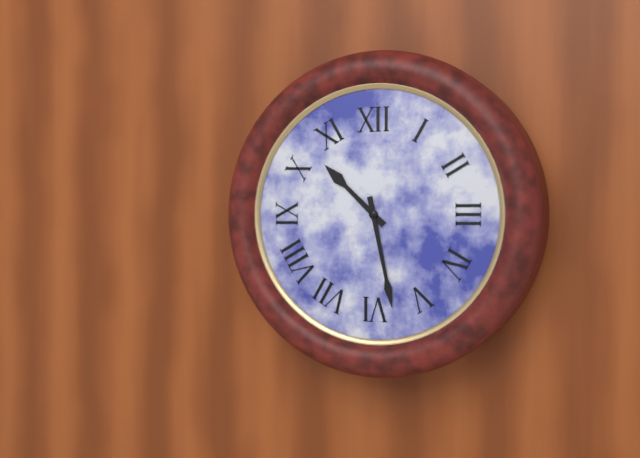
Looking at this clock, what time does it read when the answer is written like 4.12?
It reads 10.28
